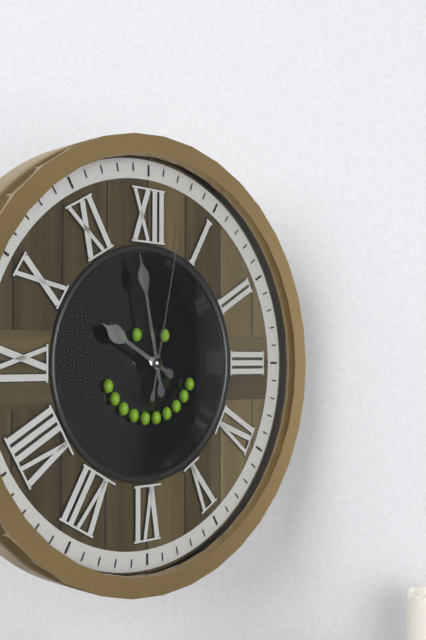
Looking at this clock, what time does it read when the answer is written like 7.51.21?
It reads 9.58.02
